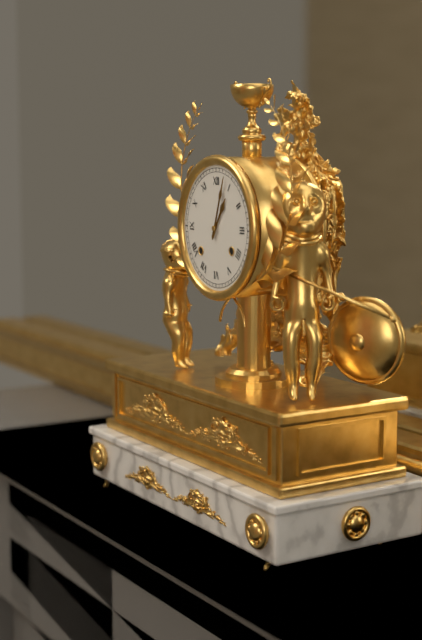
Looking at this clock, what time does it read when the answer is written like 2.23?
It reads 1.03
